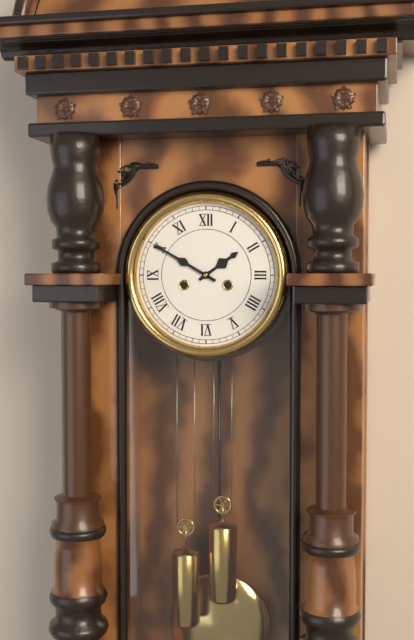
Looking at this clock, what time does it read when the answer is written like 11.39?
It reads 1.50
